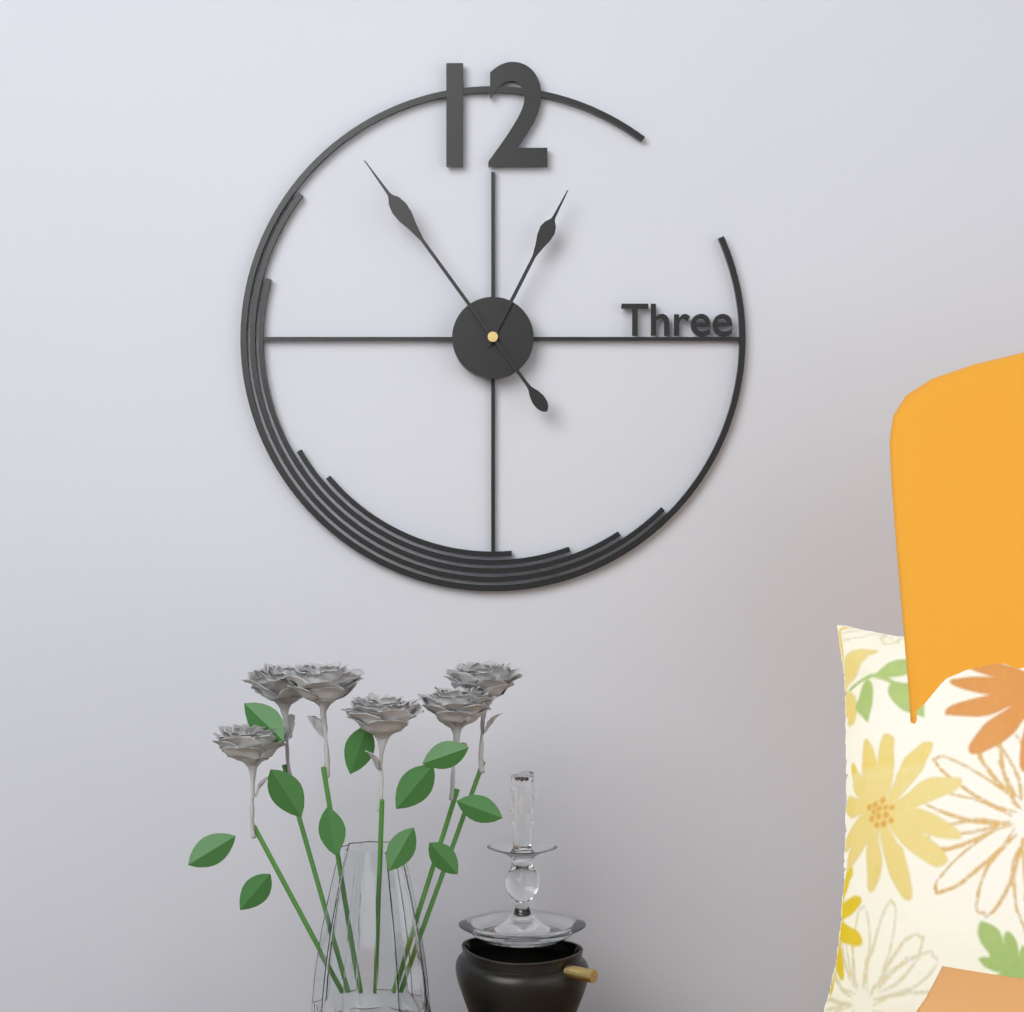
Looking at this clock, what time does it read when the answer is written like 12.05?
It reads 12.54
